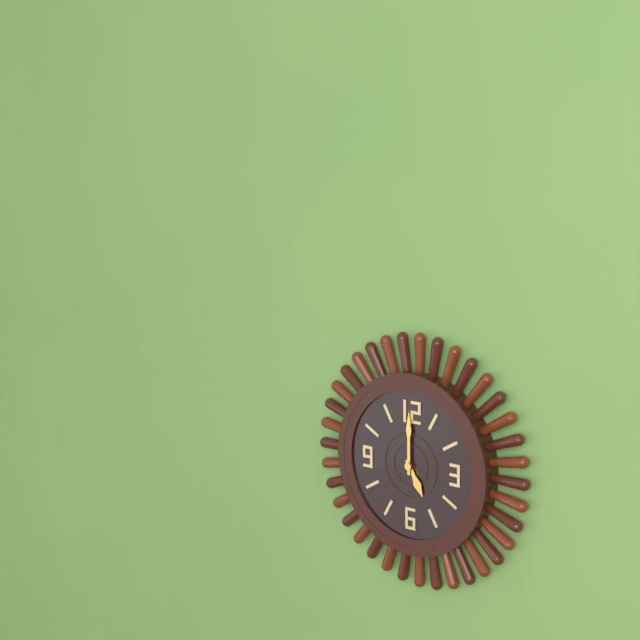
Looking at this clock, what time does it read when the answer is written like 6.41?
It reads 5.00
